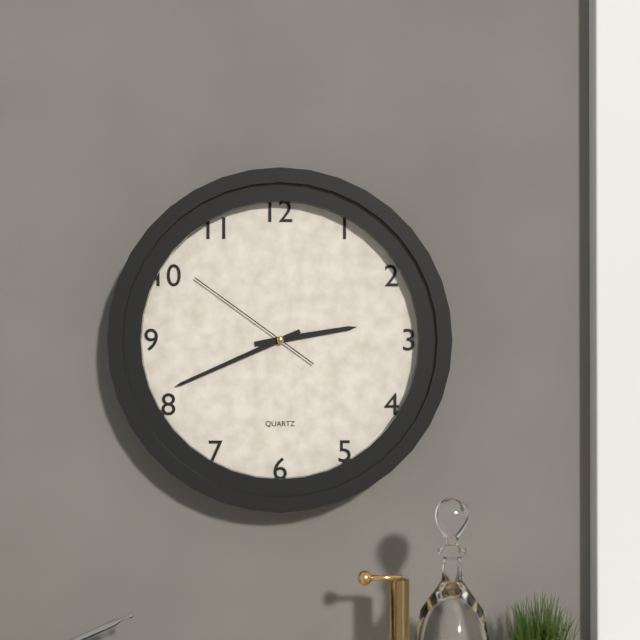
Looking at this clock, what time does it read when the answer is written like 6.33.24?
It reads 2.41.51
